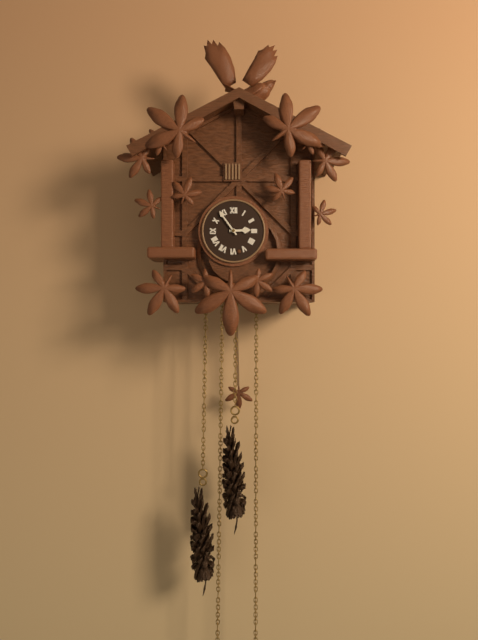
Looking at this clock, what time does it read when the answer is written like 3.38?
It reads 2.54
